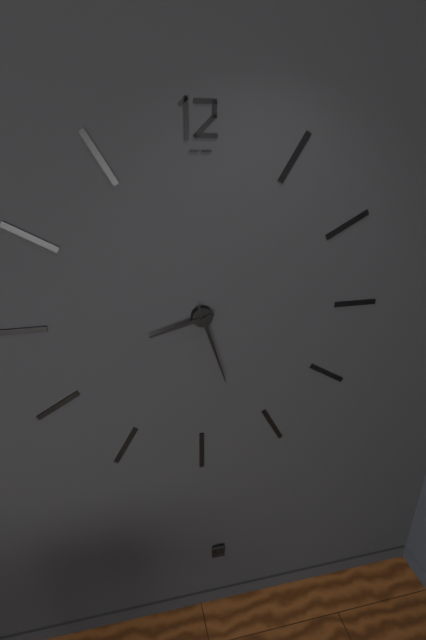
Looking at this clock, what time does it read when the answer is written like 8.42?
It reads 8.27
